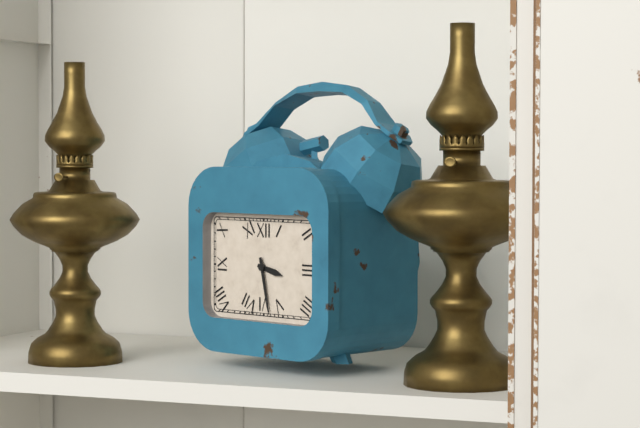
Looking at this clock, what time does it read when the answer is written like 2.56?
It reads 3.28
